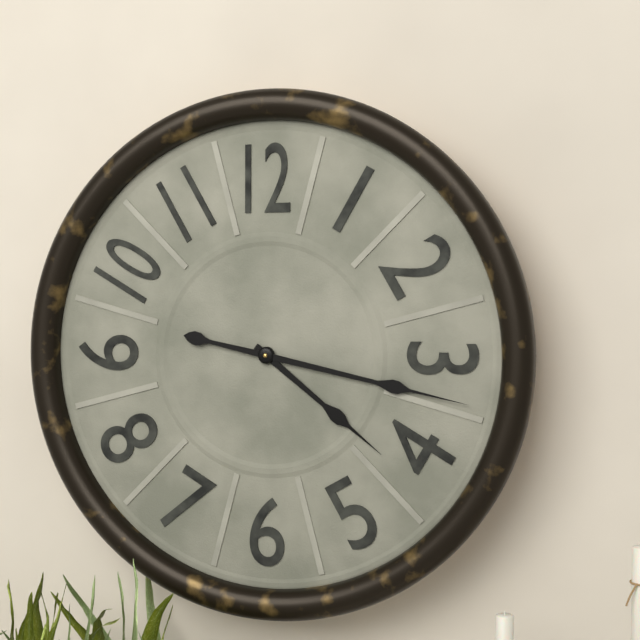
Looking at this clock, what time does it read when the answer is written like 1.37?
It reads 4.17
